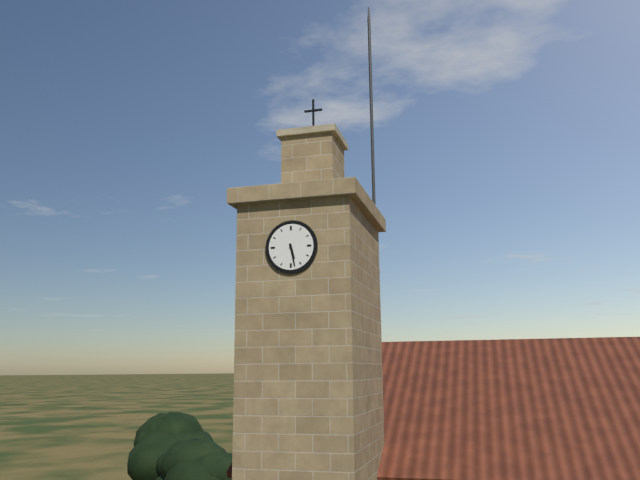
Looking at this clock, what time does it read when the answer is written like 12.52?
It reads 5.28
